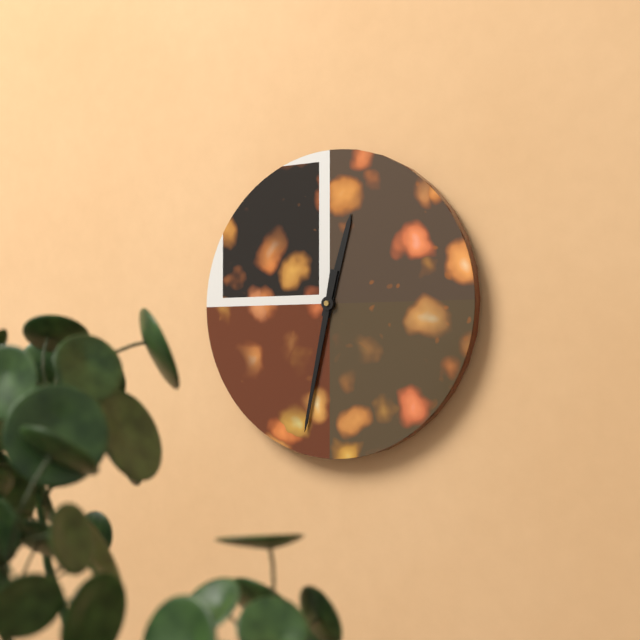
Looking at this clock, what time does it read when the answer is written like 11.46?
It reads 12.32
